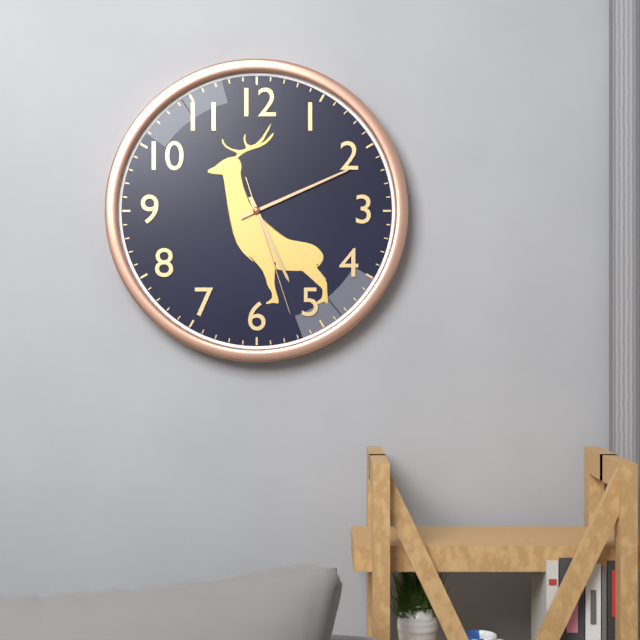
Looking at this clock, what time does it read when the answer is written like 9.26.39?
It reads 5.11.27
